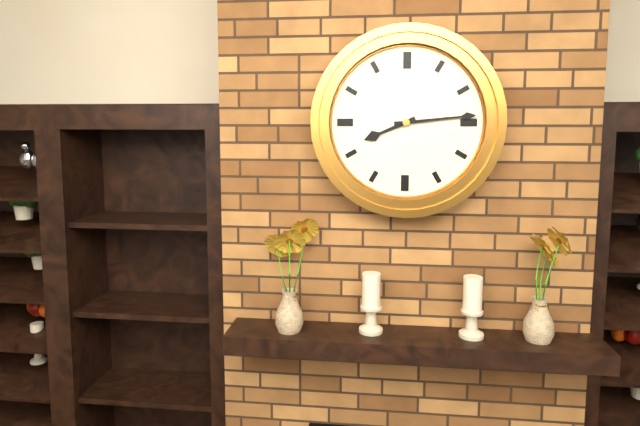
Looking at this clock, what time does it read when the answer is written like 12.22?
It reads 8.14
